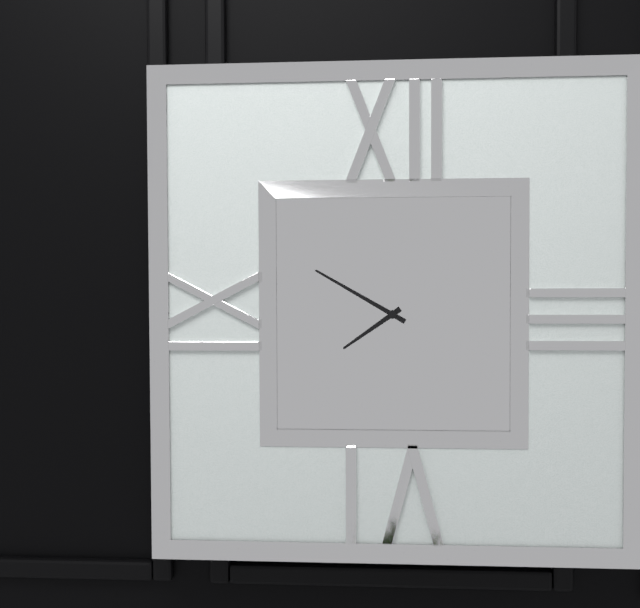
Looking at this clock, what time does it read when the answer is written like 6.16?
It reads 7.50
